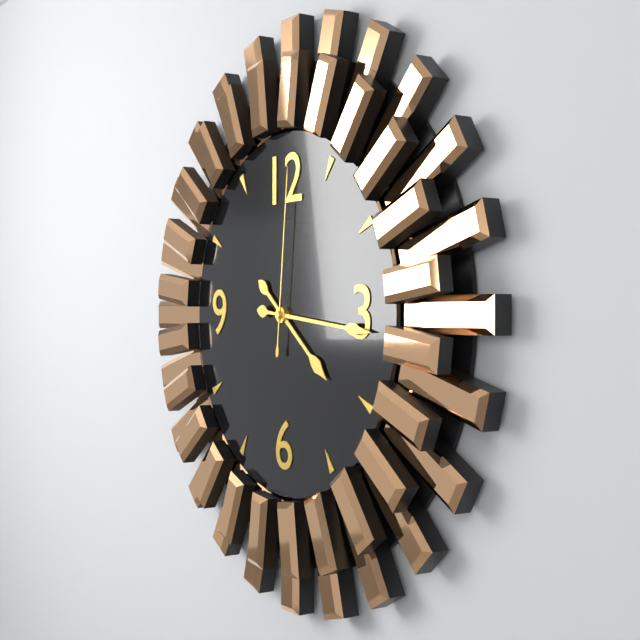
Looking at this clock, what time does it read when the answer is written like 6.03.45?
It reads 4.16.01
